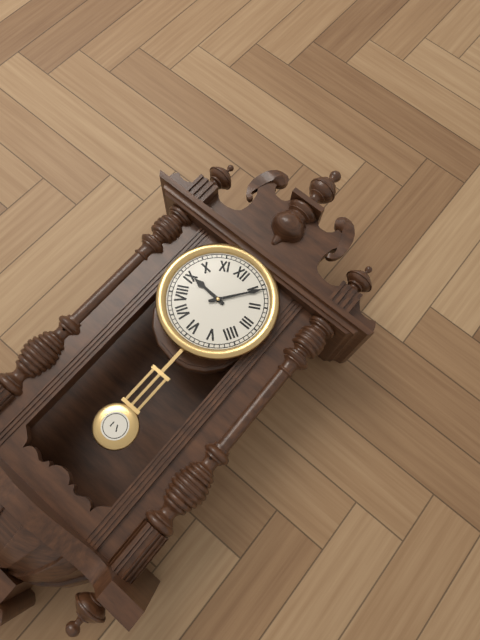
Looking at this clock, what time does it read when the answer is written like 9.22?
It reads 9.06
